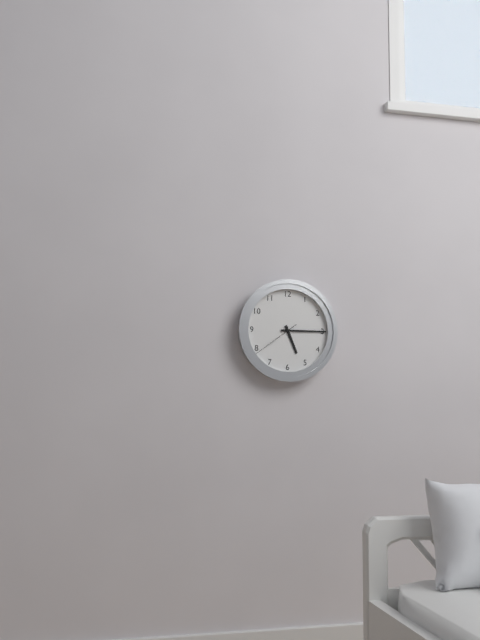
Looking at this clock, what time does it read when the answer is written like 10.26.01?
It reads 5.15.39
